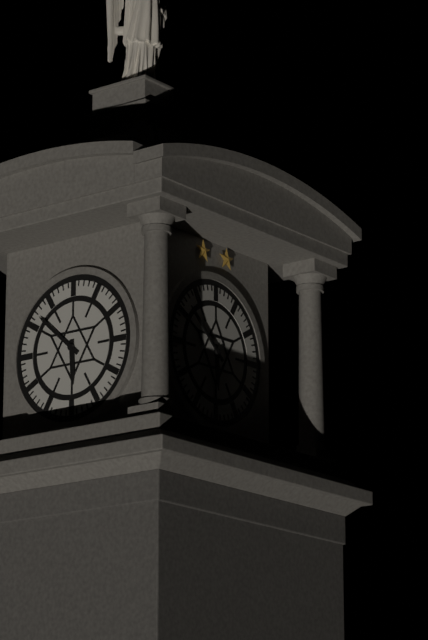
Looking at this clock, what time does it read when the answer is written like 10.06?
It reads 5.52
